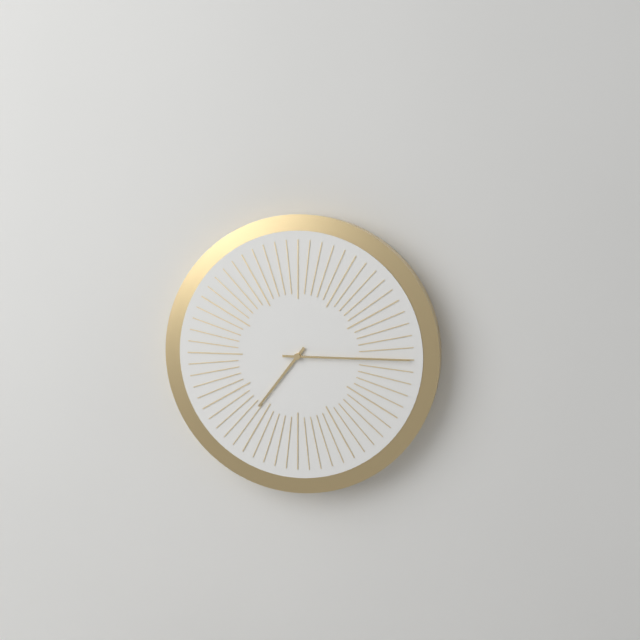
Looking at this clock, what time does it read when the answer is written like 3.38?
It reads 7.15
